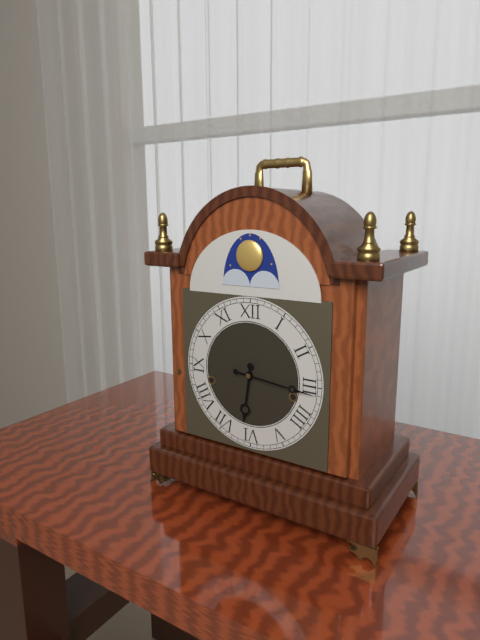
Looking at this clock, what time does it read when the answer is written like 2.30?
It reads 6.16
